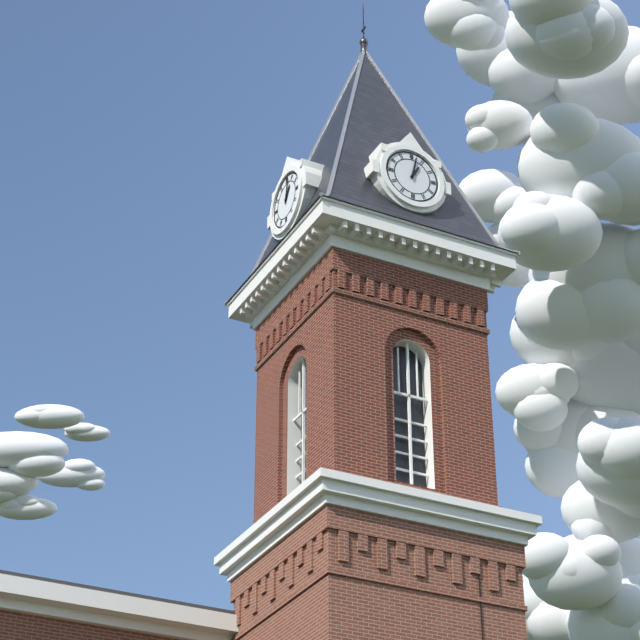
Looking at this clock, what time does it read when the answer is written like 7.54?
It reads 1.02
